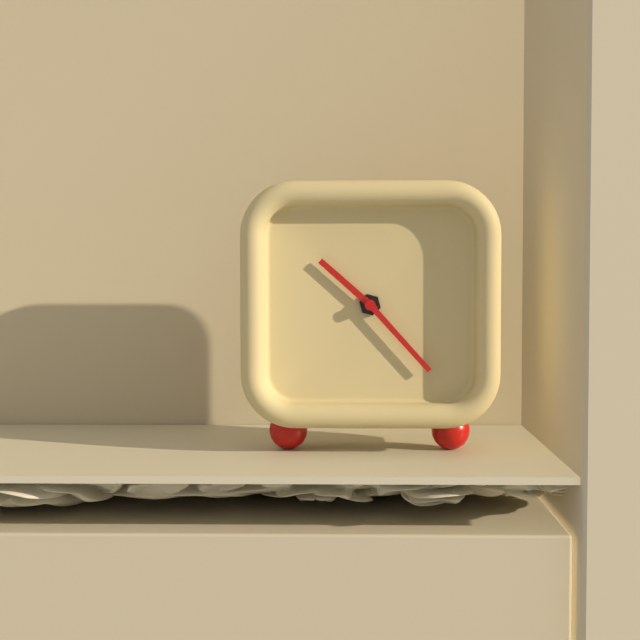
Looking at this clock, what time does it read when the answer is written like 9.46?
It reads 10.23
